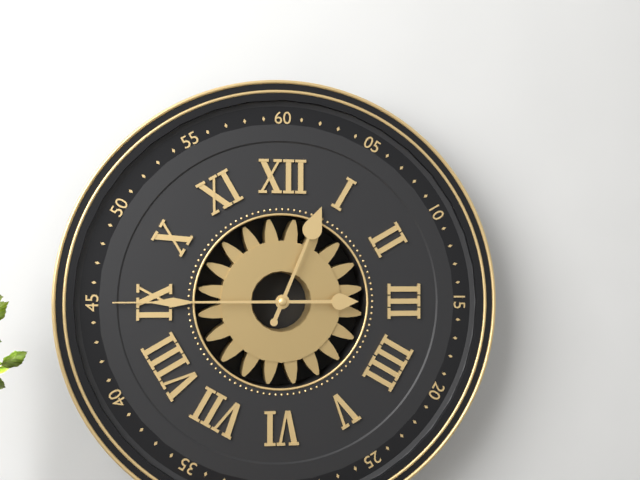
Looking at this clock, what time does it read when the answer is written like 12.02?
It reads 12.45
